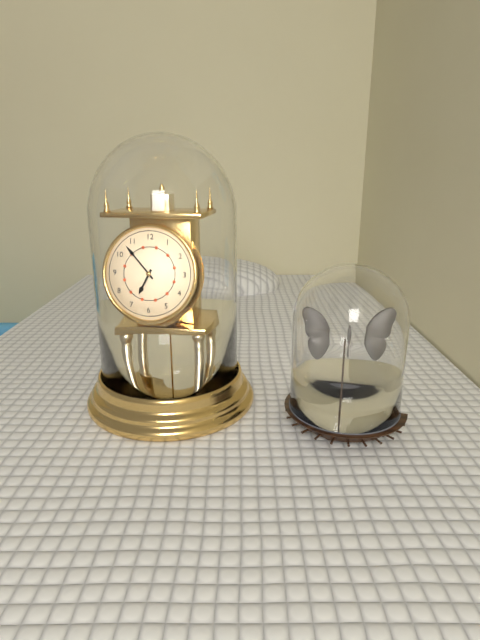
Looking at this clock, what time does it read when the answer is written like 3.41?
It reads 6.53
